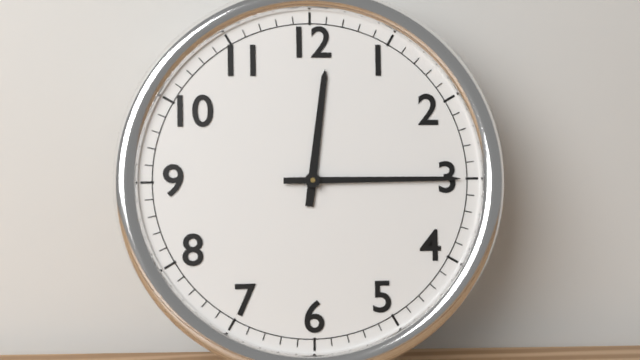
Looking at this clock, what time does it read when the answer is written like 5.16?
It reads 12.15
